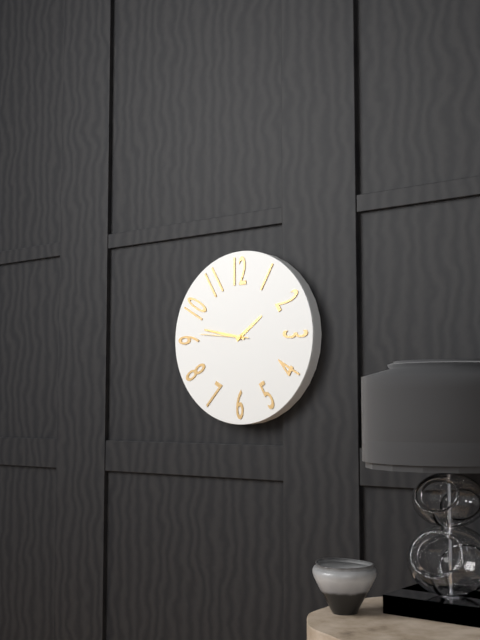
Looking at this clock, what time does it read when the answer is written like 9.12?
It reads 1.47
